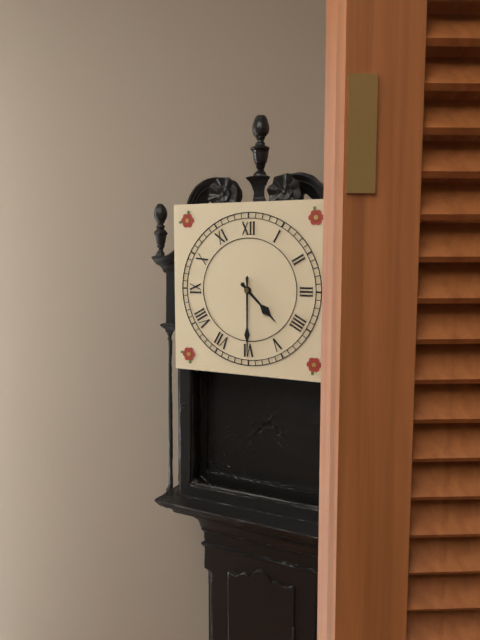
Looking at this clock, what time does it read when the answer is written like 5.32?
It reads 4.30
